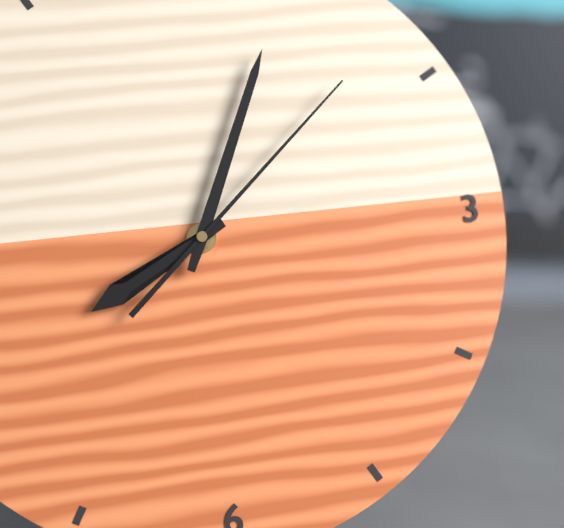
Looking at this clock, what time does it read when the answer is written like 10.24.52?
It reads 8.04.08
